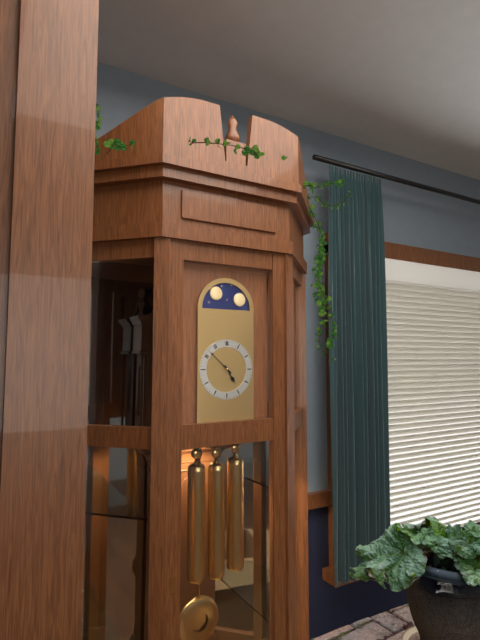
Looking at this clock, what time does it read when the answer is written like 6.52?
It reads 4.52
